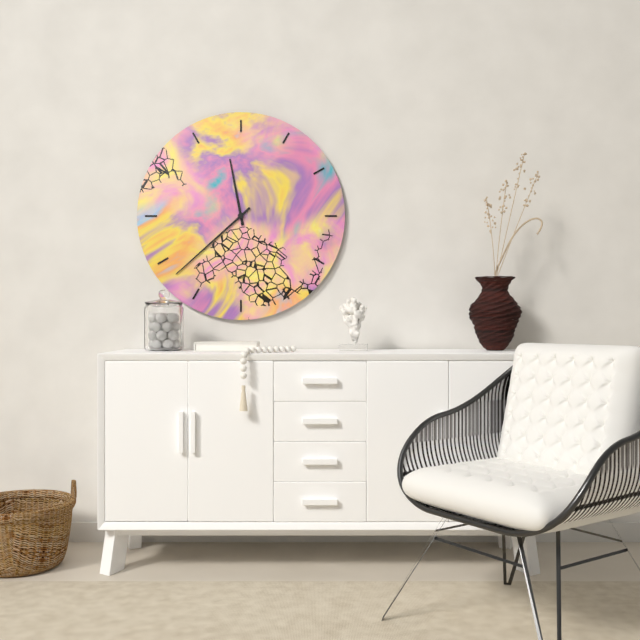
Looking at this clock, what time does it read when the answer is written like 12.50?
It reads 11.38
